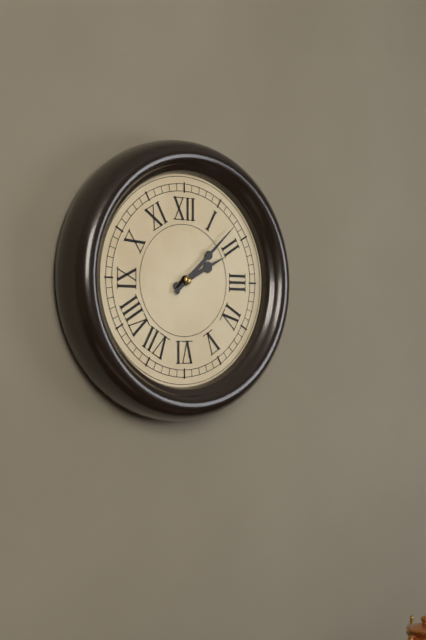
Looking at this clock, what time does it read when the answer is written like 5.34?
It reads 2.08
